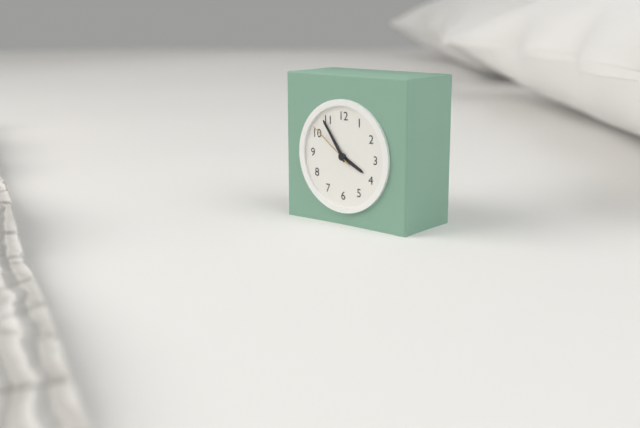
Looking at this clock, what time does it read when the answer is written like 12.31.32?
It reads 3.54.51
